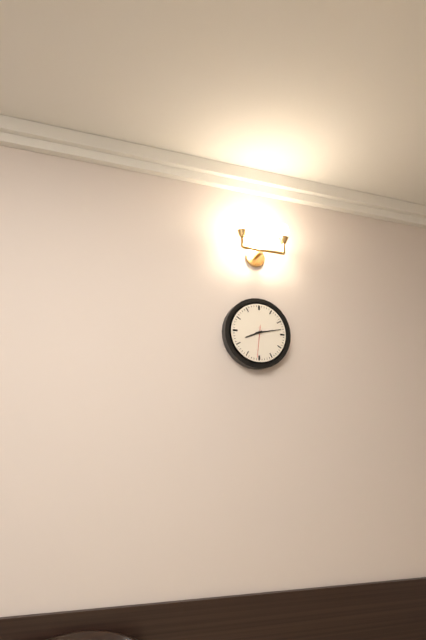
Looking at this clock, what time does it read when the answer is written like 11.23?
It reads 8.13
